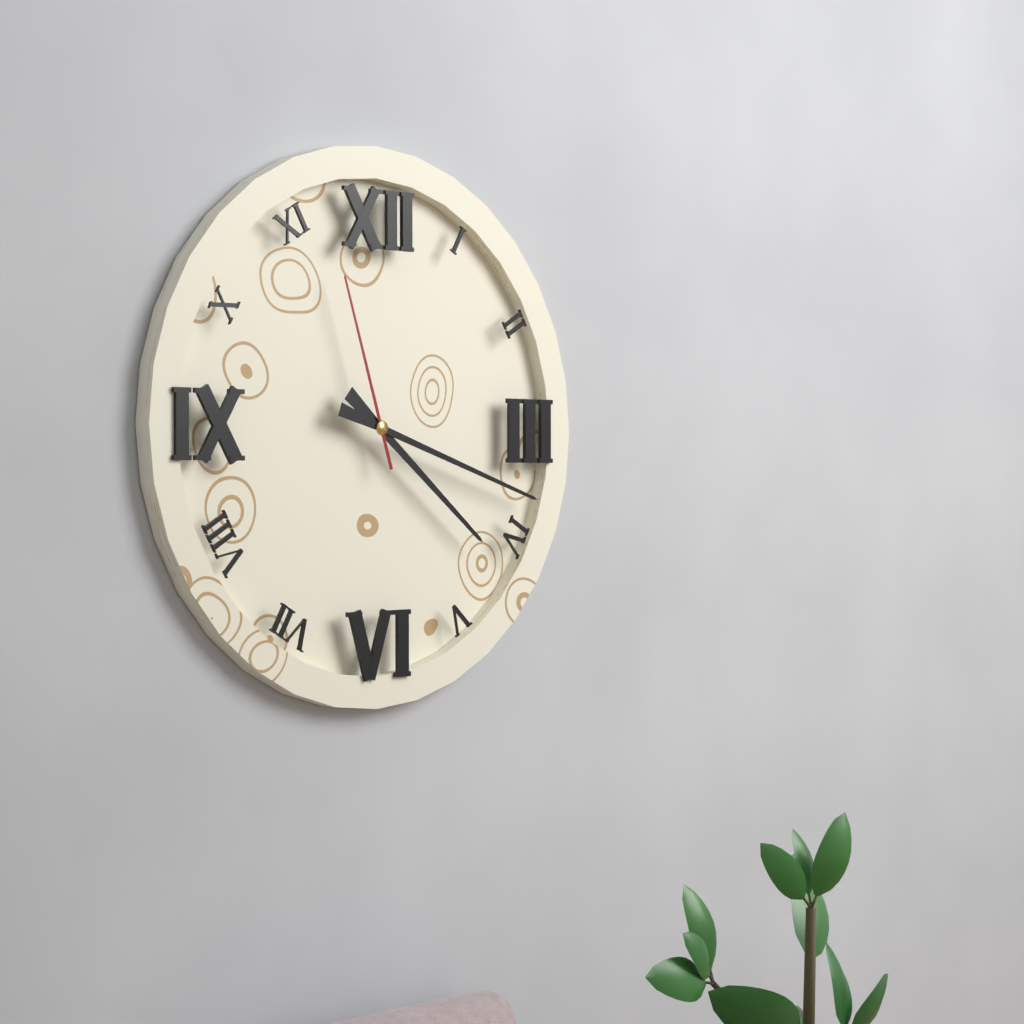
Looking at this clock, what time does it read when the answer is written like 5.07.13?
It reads 4.18.57
